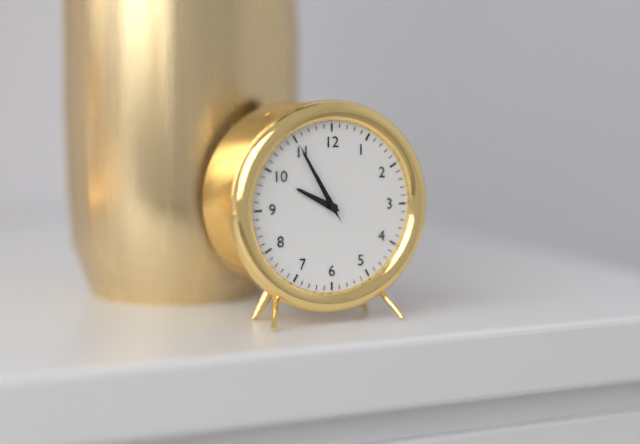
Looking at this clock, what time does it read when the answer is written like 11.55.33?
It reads 9.55.55
